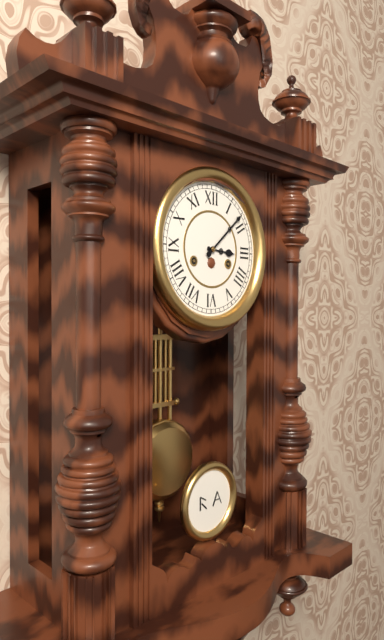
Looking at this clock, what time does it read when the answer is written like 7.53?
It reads 3.08
